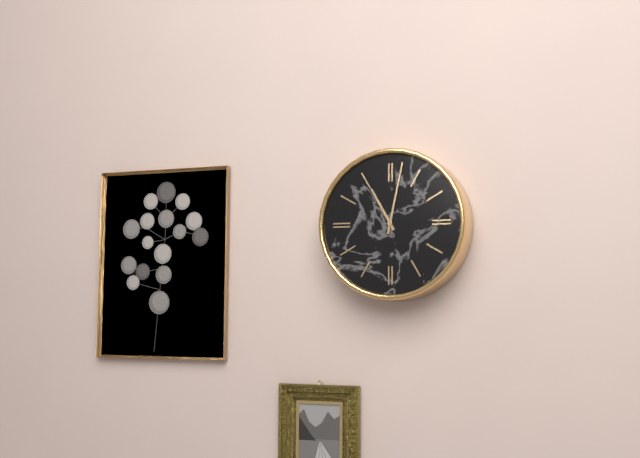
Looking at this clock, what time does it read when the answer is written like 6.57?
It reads 11.02
